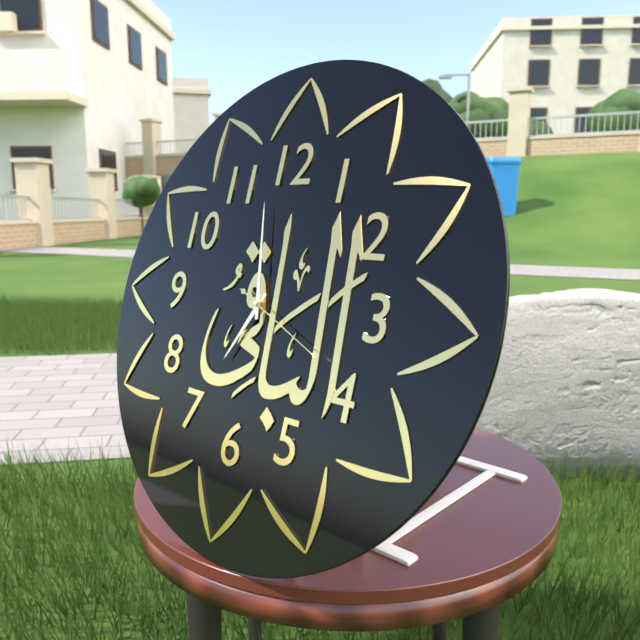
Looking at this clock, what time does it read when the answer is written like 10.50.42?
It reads 6.58.19
